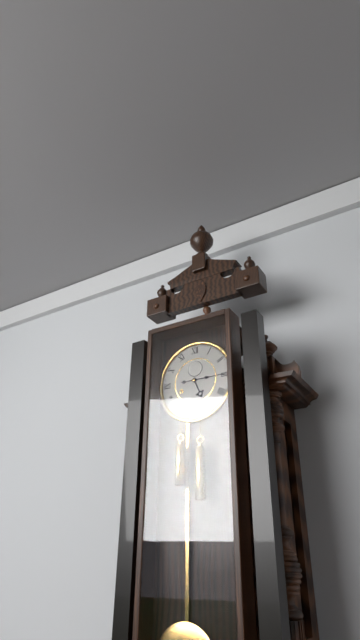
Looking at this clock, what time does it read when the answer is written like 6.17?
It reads 5.15
